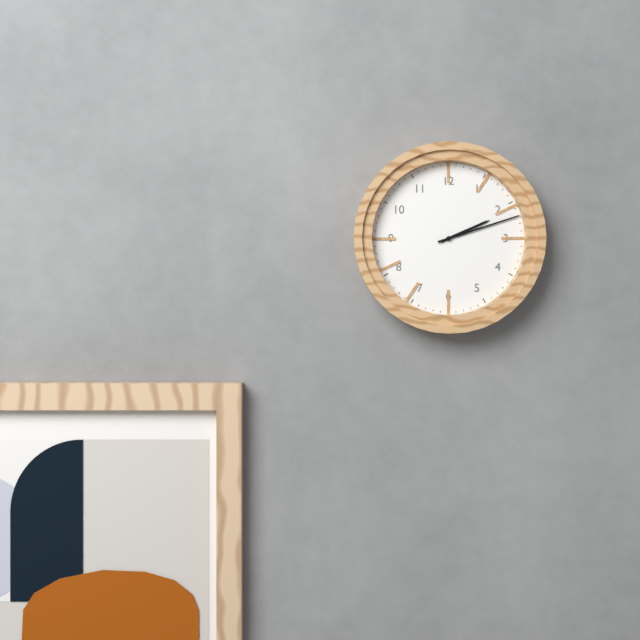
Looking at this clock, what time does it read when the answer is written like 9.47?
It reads 2.12
